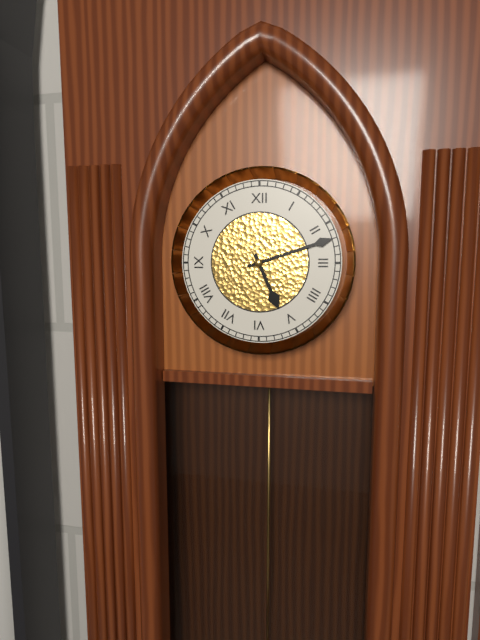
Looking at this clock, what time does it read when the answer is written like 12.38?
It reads 5.12
